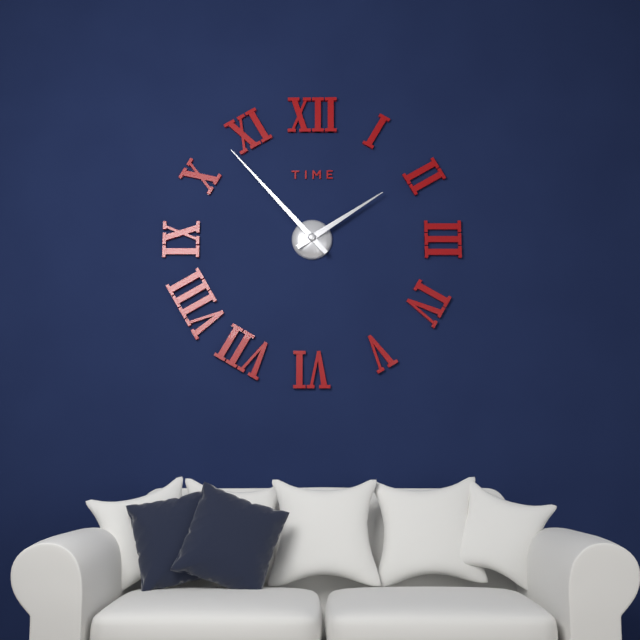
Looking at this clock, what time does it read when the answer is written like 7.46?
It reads 1.53
